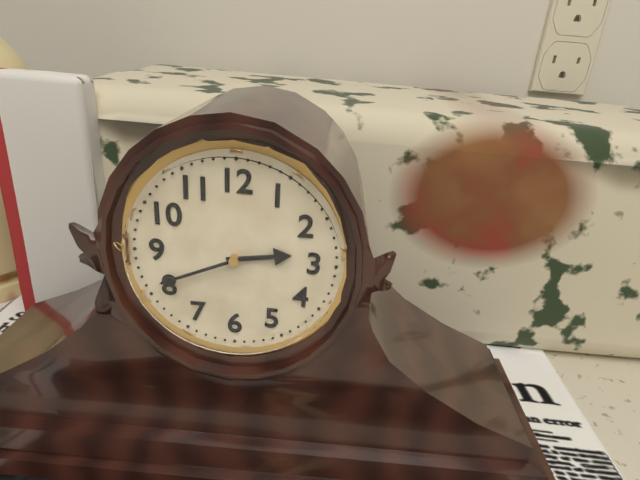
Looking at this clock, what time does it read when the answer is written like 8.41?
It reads 2.41
